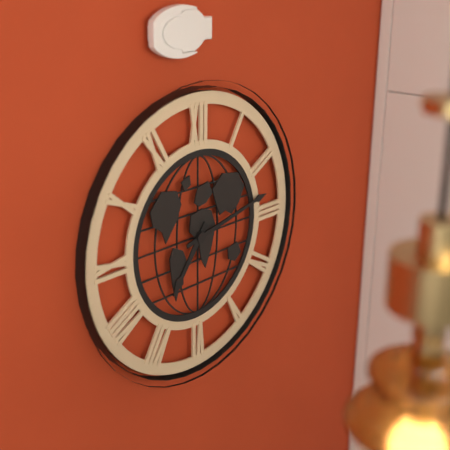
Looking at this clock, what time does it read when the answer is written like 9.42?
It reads 7.13
